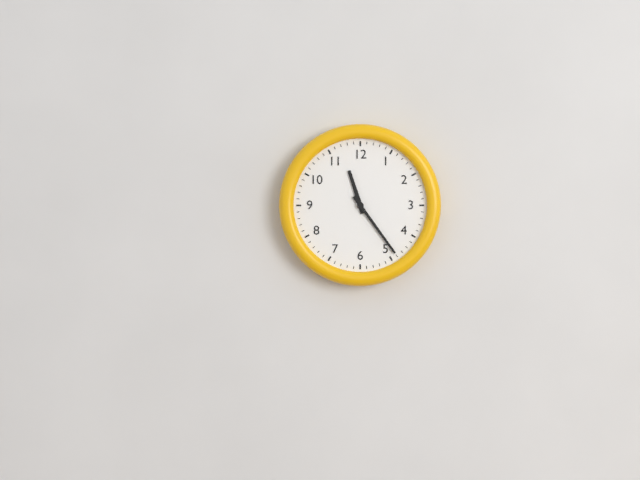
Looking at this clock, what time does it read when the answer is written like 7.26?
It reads 11.24
